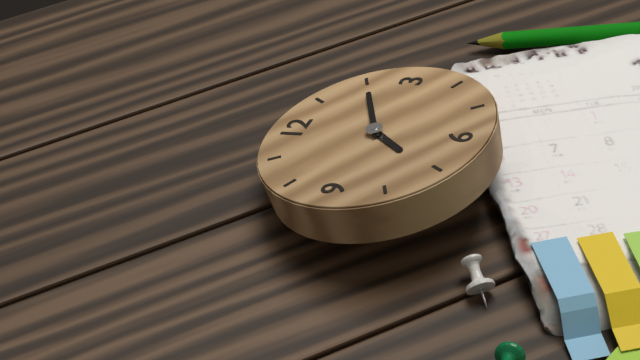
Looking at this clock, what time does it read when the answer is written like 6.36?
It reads 7.10
